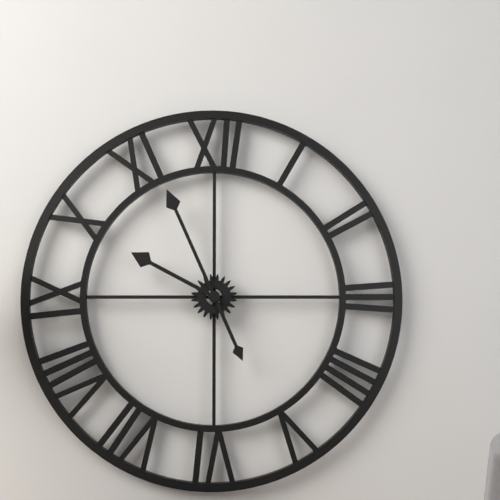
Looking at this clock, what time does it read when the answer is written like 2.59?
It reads 9.56
